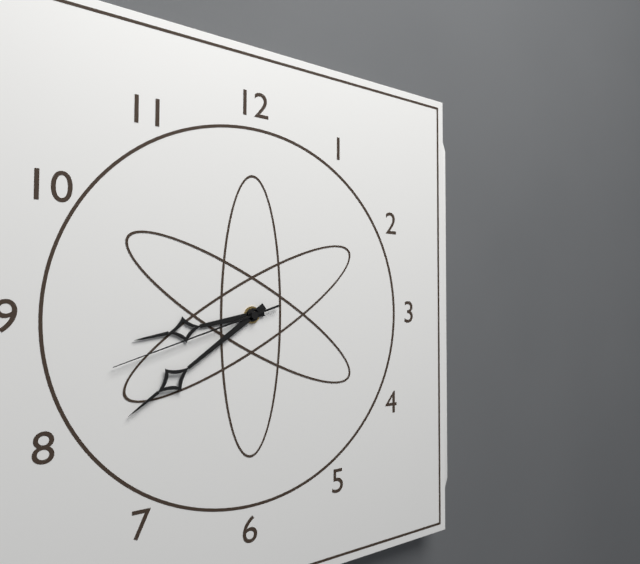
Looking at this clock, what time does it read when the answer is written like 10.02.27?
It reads 8.39.42
